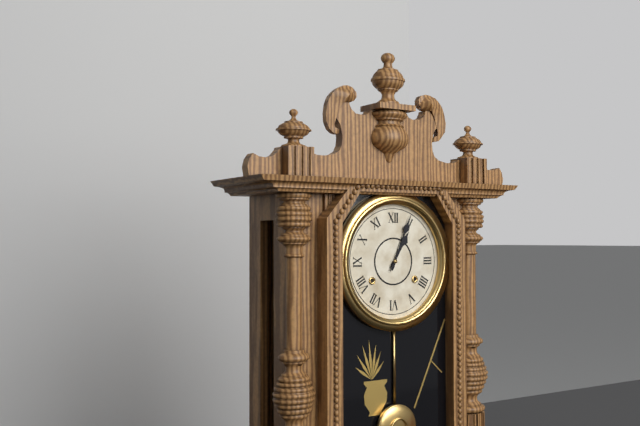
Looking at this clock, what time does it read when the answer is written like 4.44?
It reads 1.04
